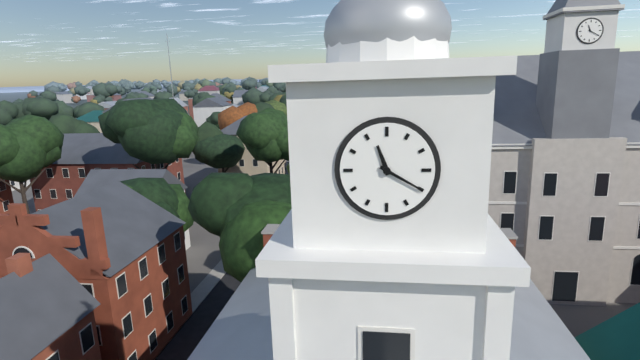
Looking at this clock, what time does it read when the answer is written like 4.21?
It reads 11.20
